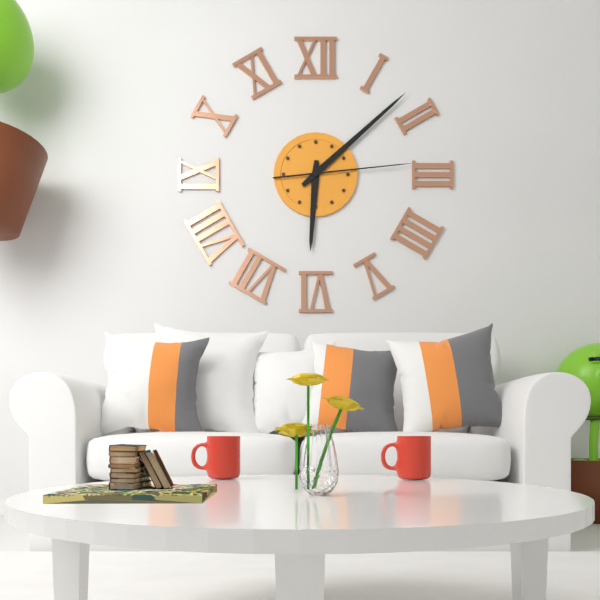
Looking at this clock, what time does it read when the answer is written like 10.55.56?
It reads 6.08.14
